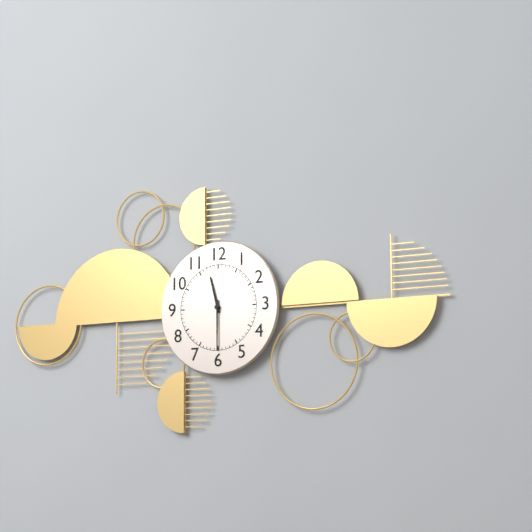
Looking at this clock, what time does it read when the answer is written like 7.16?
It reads 11.30
